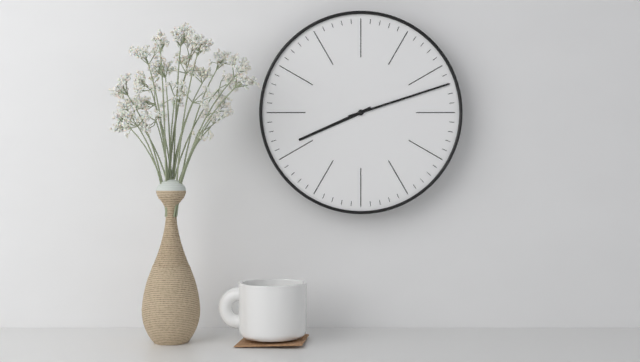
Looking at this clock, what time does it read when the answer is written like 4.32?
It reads 8.12
